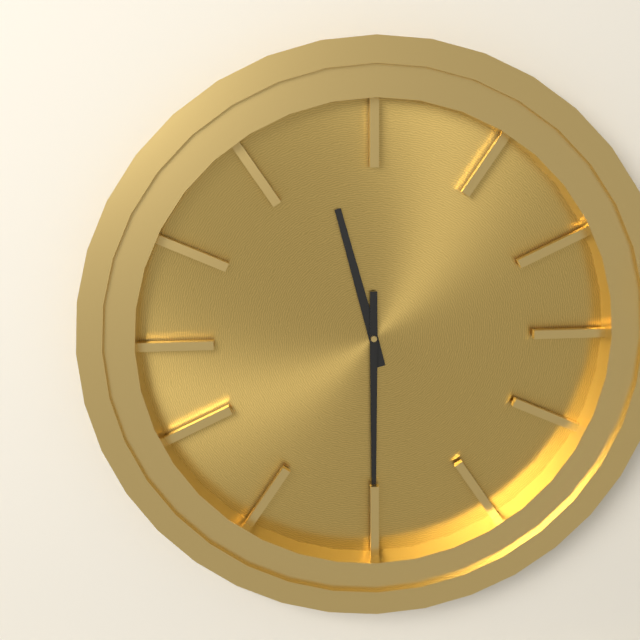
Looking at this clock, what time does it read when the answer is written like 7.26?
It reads 11.30
